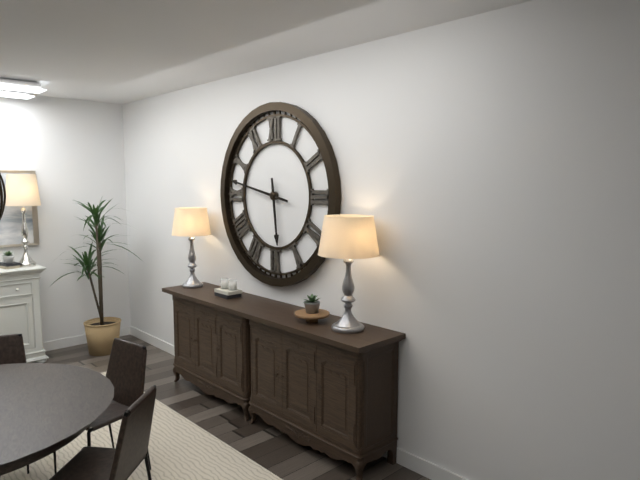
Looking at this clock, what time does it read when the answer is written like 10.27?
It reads 5.47
